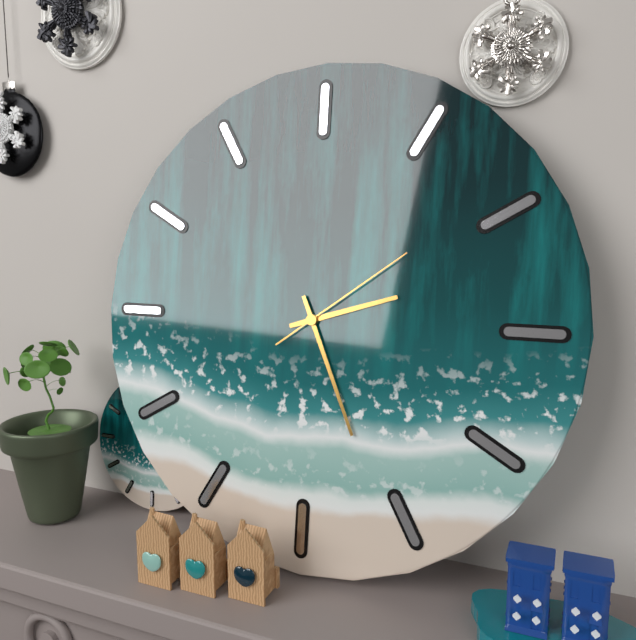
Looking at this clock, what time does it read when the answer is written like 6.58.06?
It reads 2.26.09
